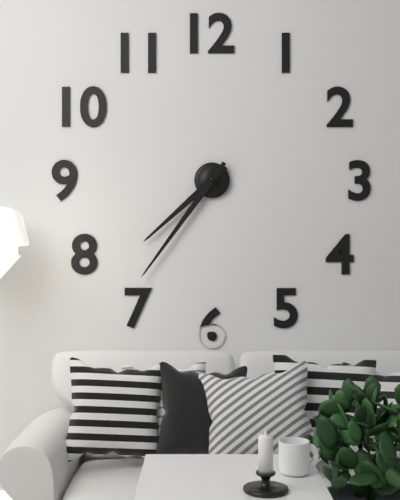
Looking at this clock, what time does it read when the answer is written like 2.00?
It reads 7.36
